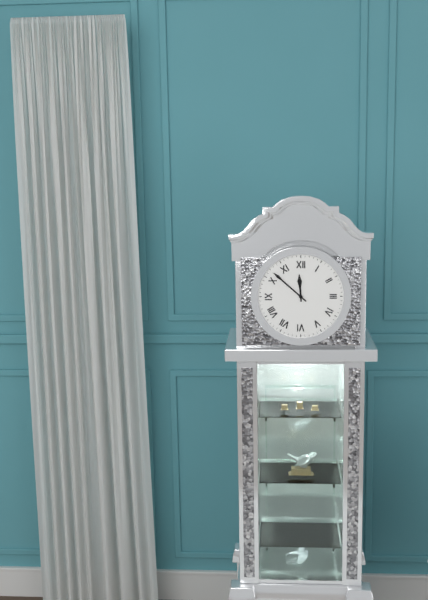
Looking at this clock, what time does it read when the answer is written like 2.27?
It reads 11.52
